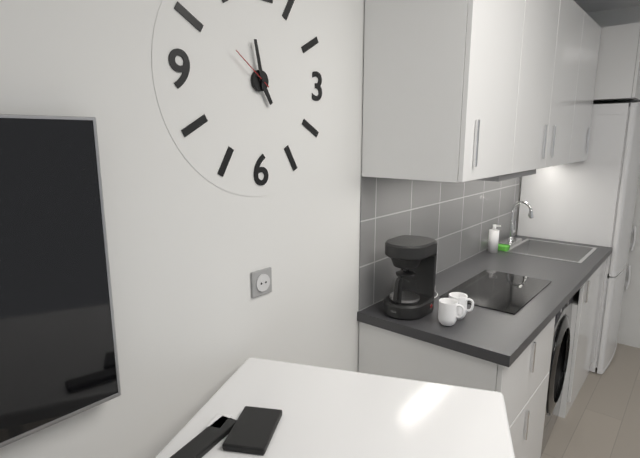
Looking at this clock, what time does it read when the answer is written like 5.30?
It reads 4.58
